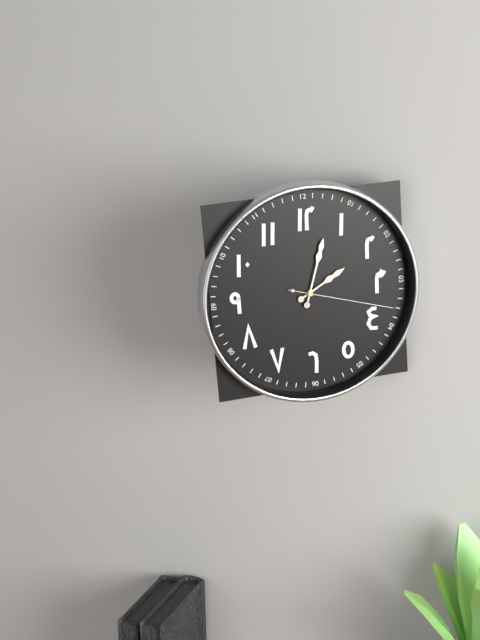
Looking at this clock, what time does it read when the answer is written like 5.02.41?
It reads 2.03.18
